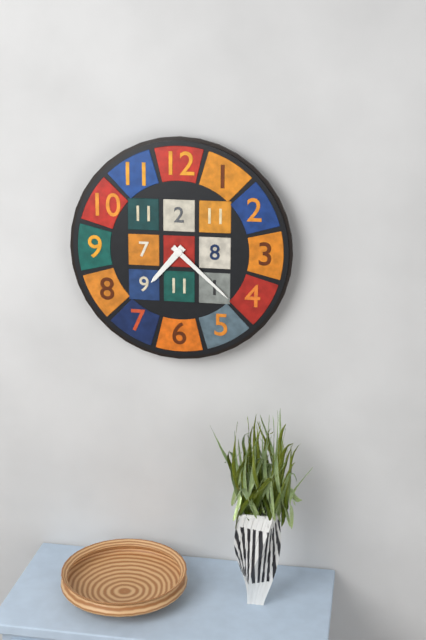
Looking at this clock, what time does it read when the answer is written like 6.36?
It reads 7.22
